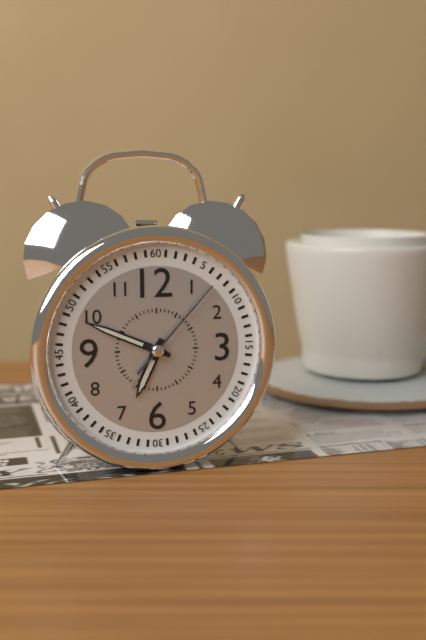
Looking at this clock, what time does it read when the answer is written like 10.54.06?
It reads 6.49.07
